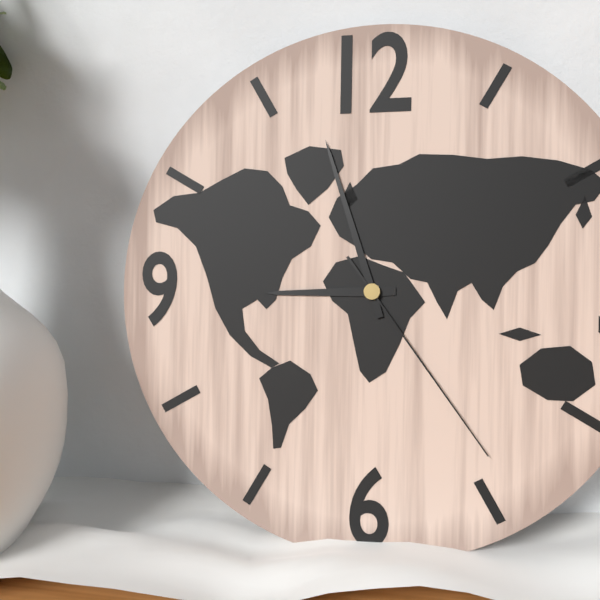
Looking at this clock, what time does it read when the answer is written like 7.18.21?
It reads 8.57.24
